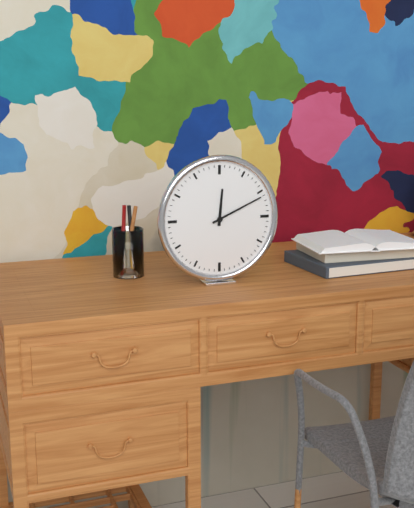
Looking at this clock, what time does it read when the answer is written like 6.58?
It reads 12.11
